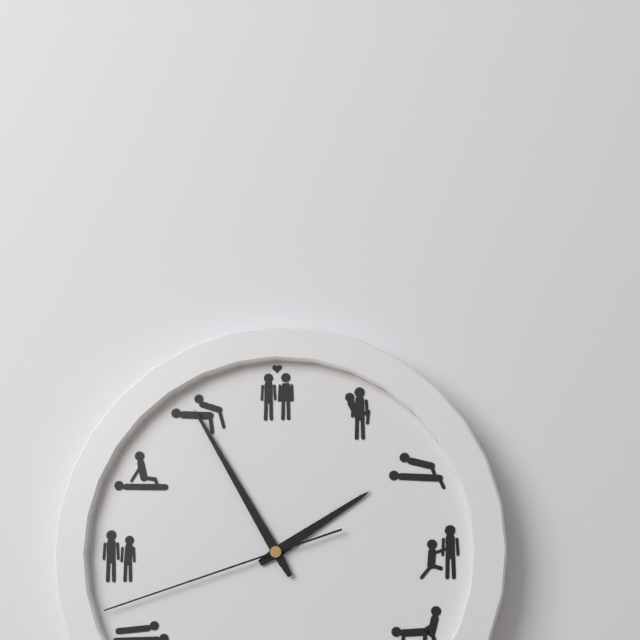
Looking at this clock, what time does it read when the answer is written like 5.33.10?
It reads 1.55.42
